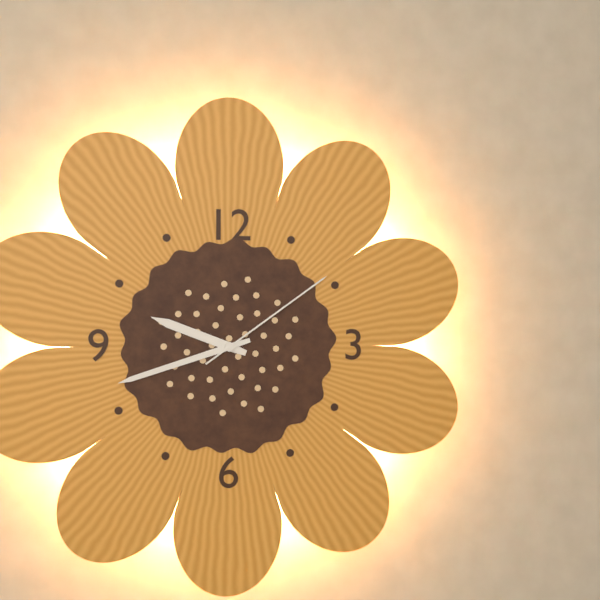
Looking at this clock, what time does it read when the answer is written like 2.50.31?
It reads 9.42.09
